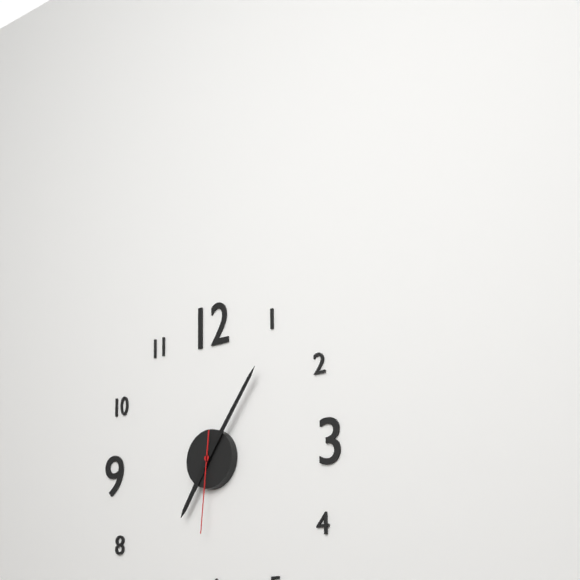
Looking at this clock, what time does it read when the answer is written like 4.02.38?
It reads 7.06.31
